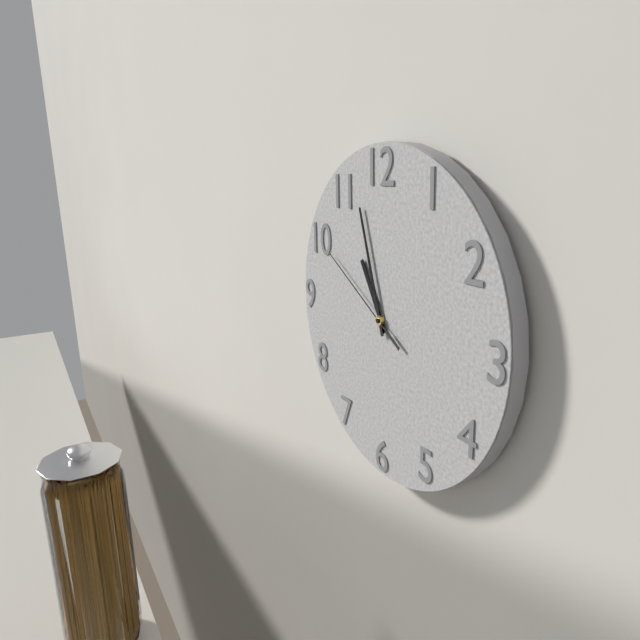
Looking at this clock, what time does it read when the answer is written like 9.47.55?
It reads 10.57.50
